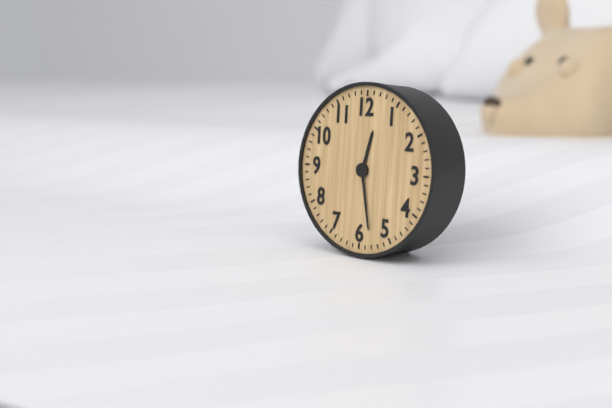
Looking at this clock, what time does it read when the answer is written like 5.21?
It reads 12.28
